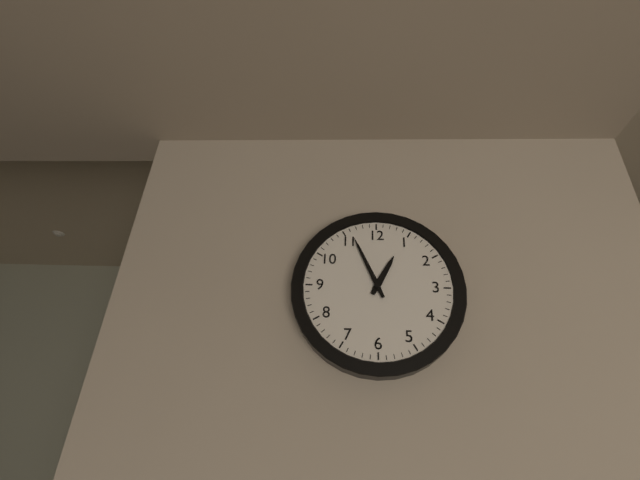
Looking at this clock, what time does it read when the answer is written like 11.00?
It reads 12.56
